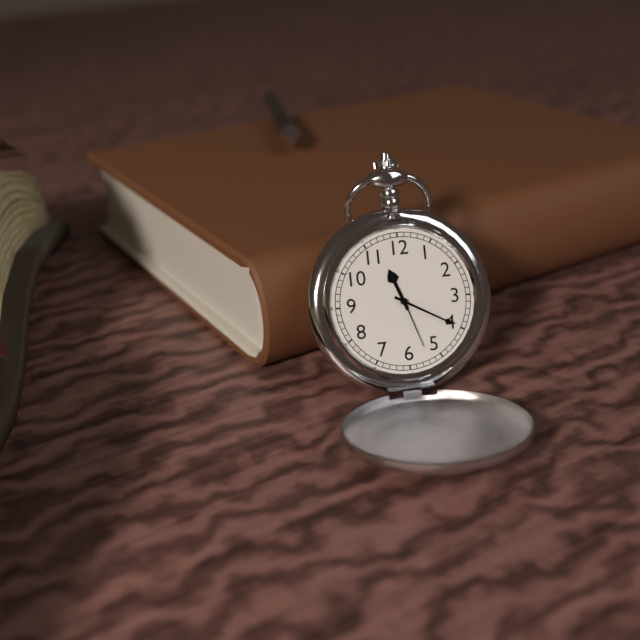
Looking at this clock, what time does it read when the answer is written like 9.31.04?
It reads 11.20.27
